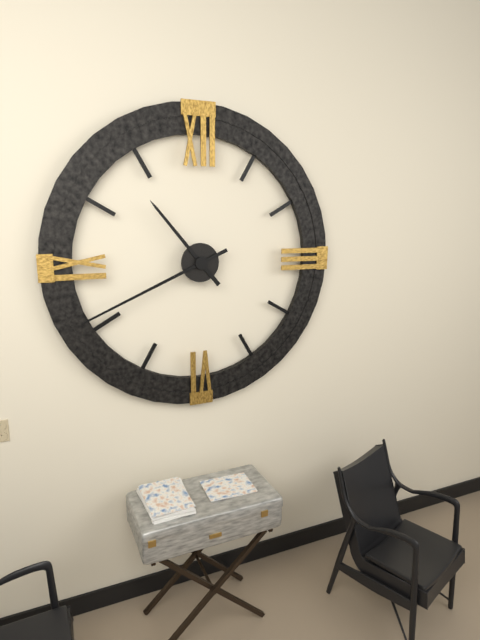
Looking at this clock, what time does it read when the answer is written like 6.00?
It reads 10.41
